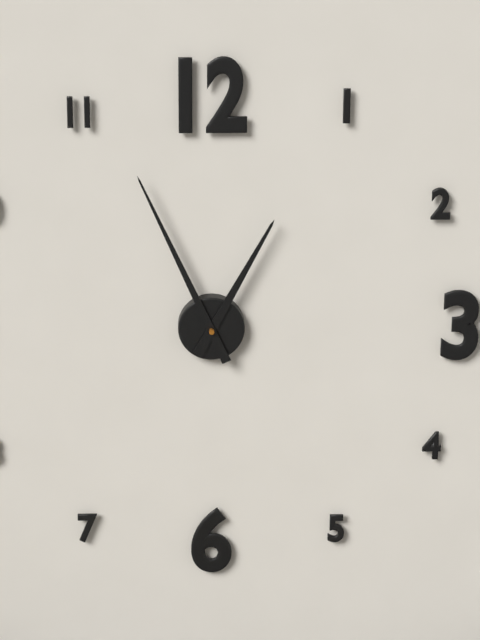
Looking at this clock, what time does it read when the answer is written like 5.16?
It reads 12.56
